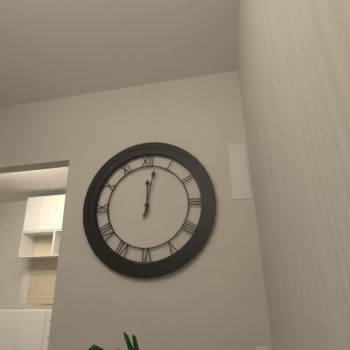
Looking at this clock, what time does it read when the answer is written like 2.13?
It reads 12.02
